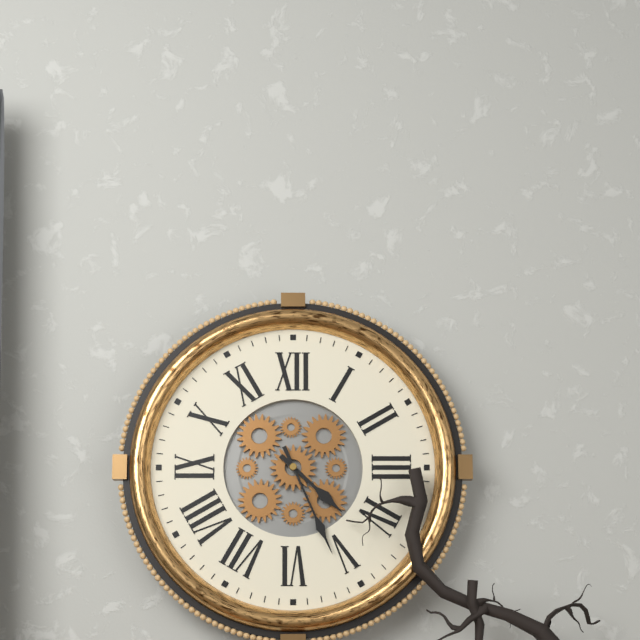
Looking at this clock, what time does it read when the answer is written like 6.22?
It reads 4.26
